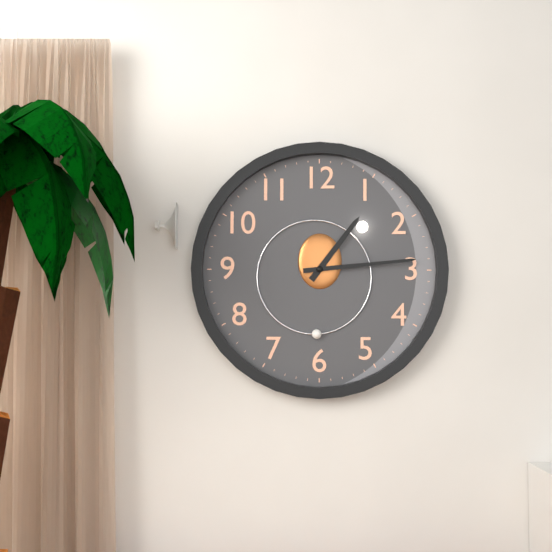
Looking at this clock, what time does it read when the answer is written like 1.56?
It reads 1.14
